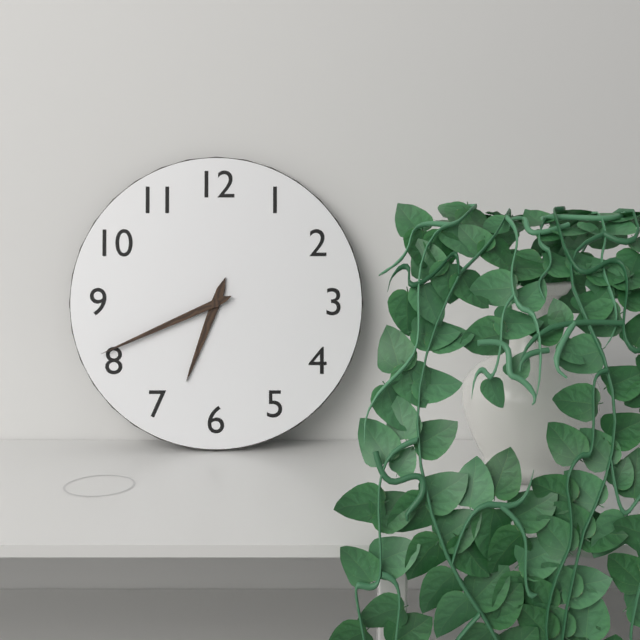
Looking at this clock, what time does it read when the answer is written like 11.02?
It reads 6.41
